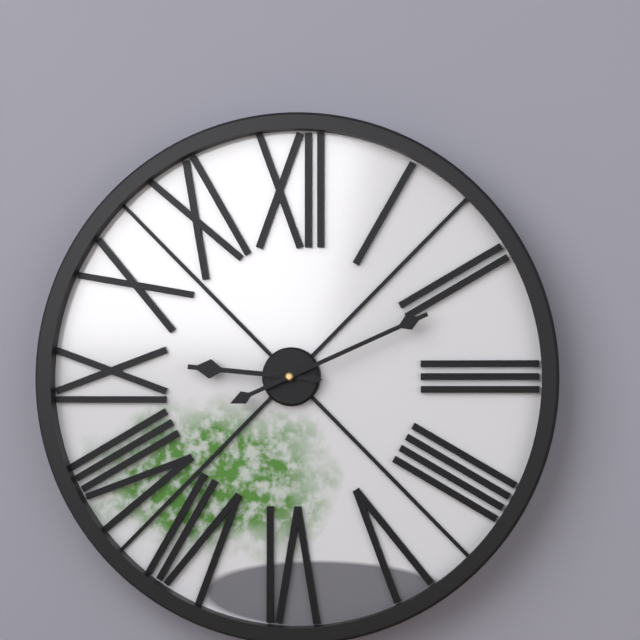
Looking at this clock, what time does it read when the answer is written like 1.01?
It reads 9.11
